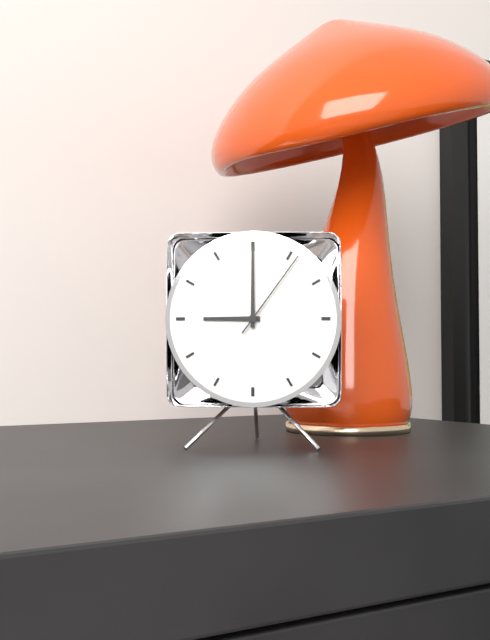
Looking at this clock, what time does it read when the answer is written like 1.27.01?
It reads 9.00.06
